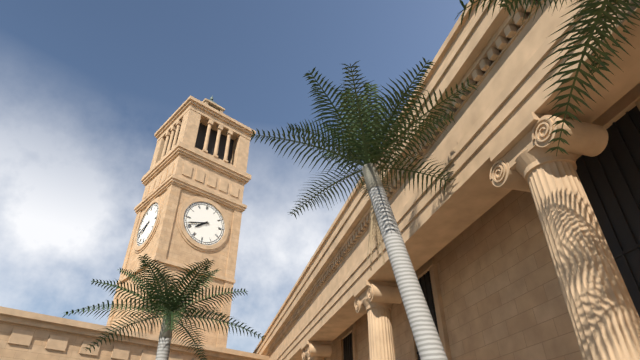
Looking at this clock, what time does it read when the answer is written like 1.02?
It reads 7.42
